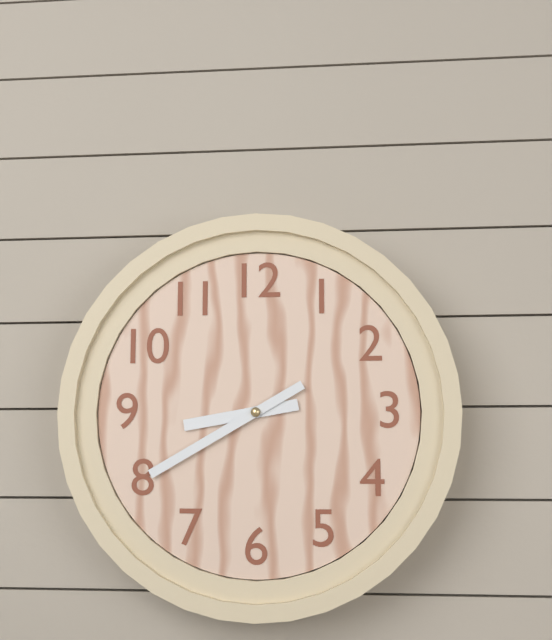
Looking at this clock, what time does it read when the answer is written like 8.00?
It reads 8.40
